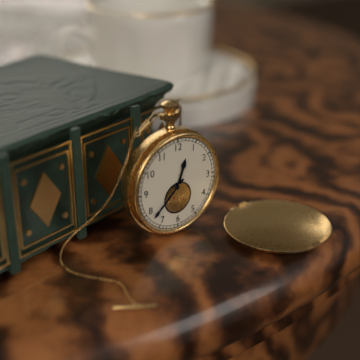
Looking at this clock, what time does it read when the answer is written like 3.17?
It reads 12.38
